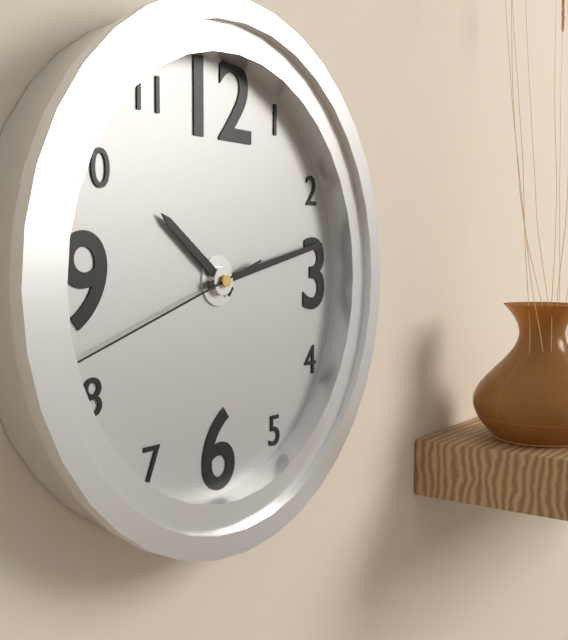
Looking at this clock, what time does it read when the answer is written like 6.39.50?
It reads 10.13.42
